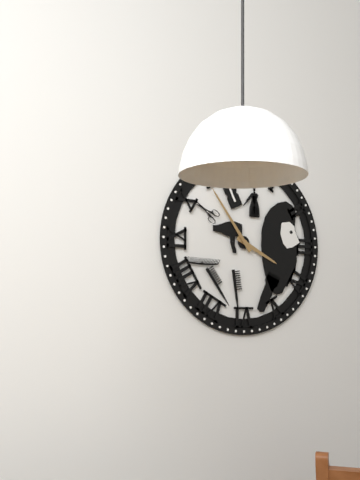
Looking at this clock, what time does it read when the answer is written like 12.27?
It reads 3.54
